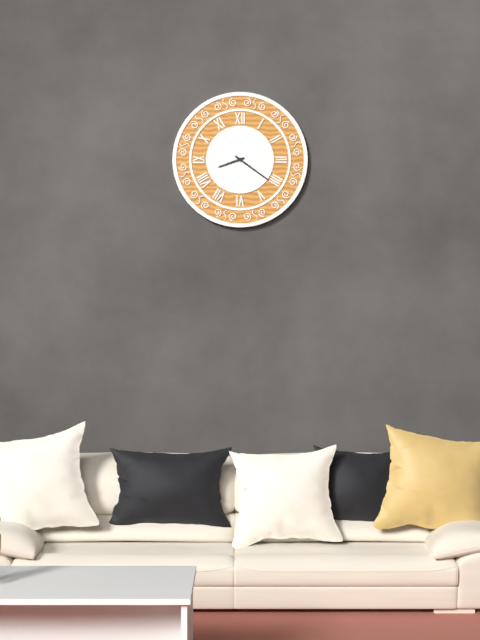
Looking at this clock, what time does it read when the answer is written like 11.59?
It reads 8.21
